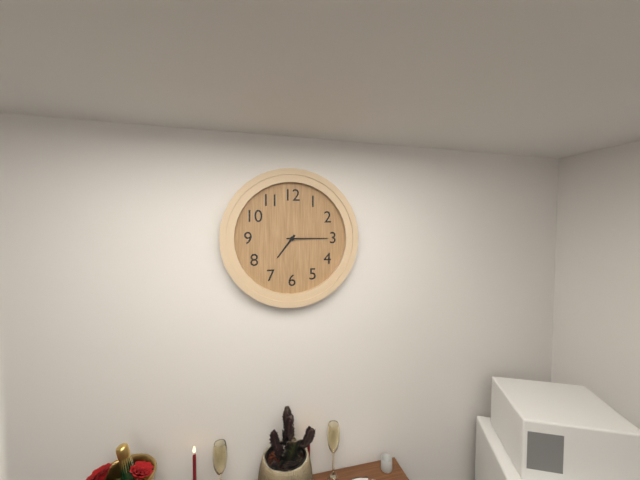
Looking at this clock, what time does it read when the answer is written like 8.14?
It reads 7.15
